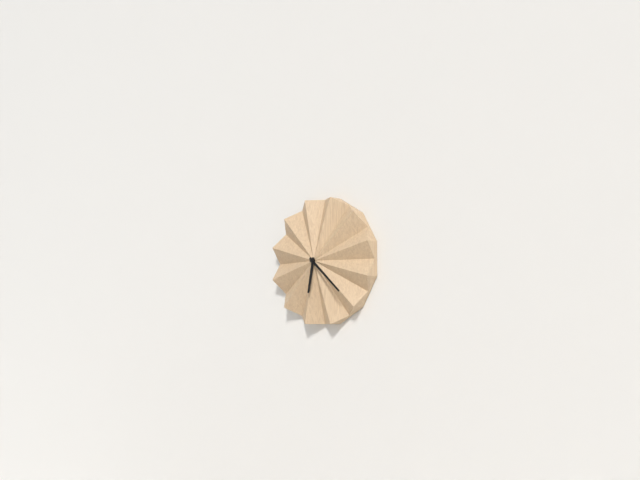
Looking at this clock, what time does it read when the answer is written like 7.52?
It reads 6.22
